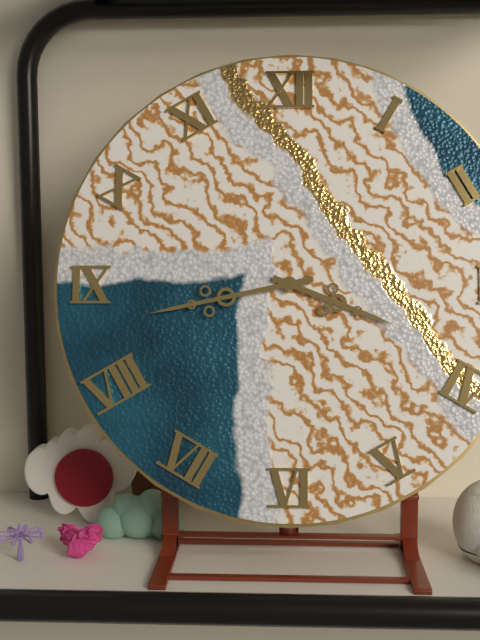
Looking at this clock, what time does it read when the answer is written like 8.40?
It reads 3.43
